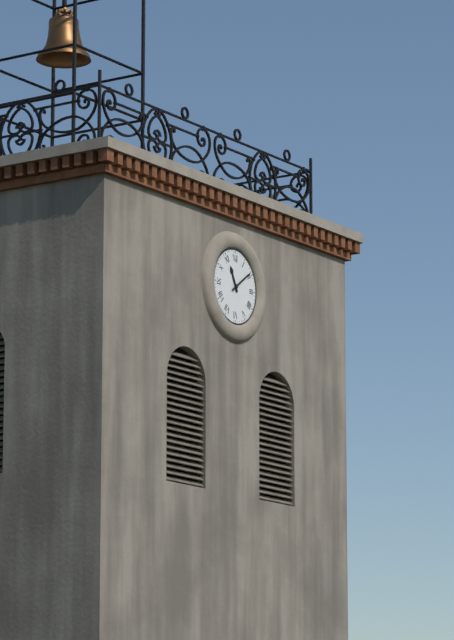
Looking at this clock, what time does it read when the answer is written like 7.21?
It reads 11.09
